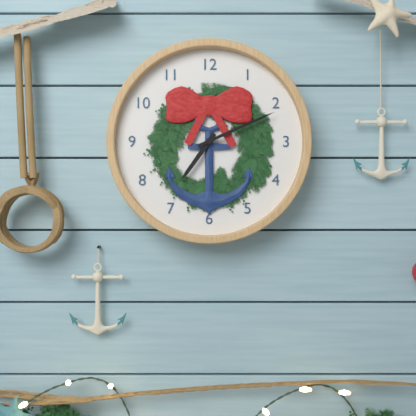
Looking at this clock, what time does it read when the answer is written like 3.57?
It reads 7.11
